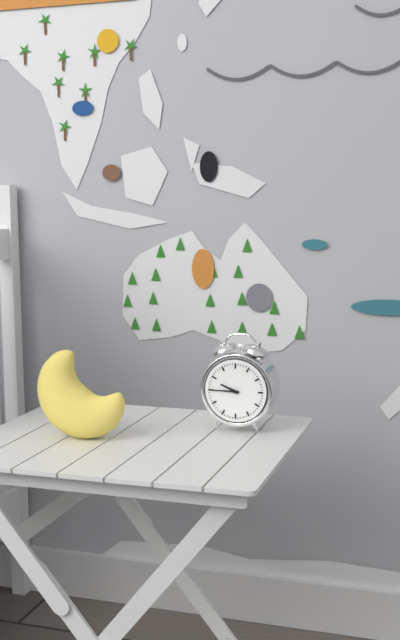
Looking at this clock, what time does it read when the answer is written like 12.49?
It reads 9.45
